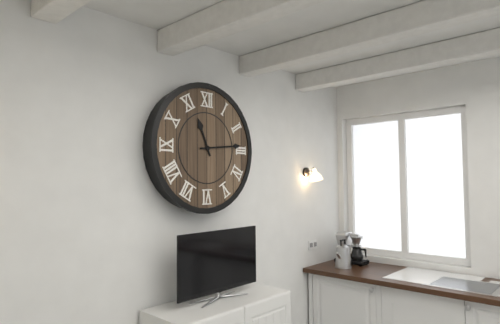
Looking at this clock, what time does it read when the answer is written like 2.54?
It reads 11.14
